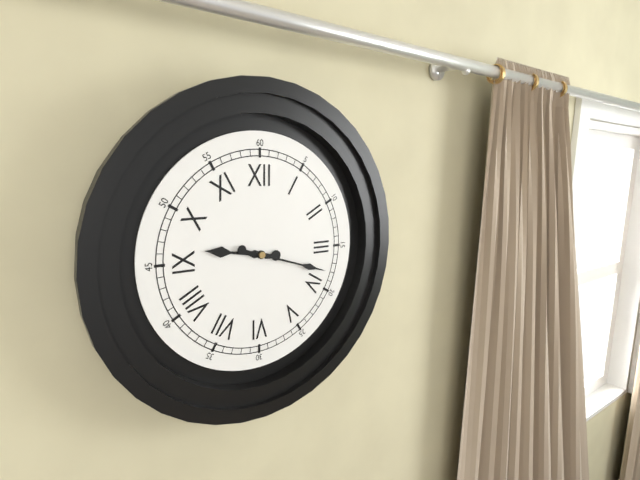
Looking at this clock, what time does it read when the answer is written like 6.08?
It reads 9.18
